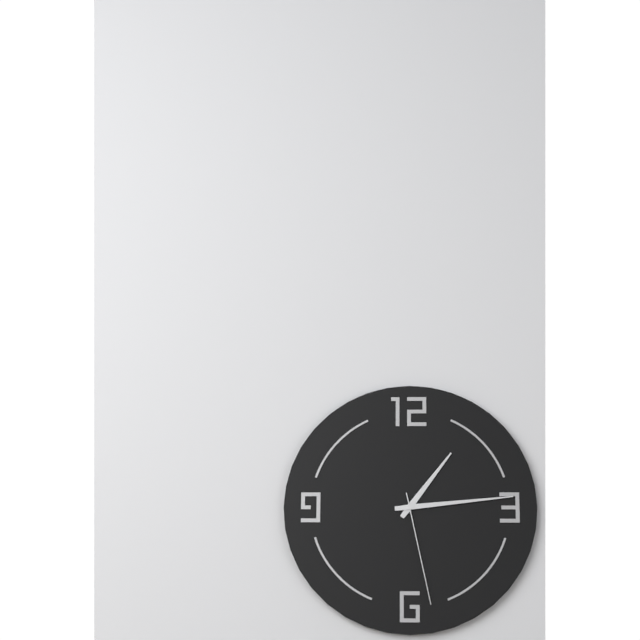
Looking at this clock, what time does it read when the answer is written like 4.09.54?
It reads 1.14.28
